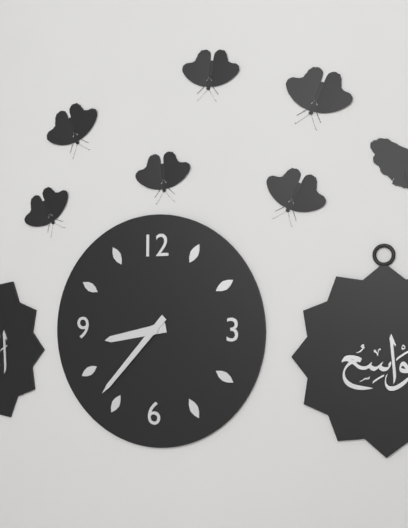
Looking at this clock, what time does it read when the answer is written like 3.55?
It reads 8.37
